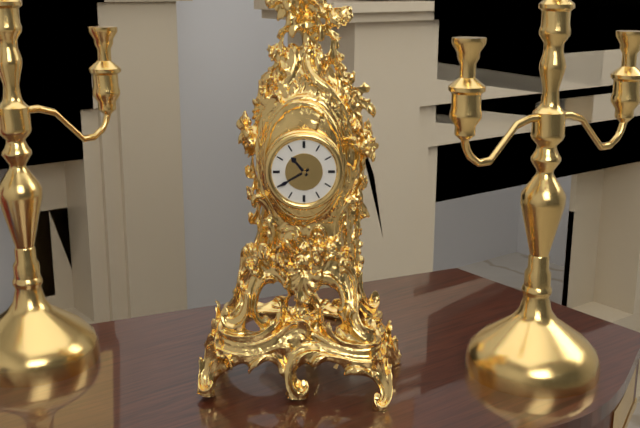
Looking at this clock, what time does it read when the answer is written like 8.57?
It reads 10.40
